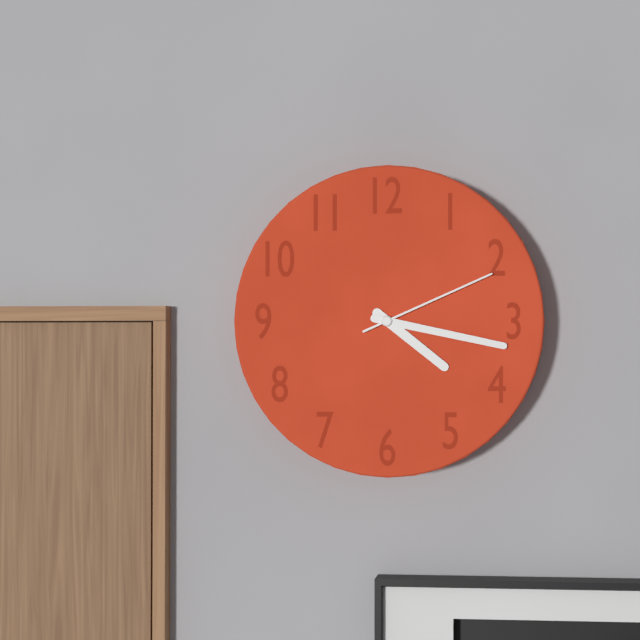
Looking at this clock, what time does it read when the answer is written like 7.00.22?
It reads 4.17.11
